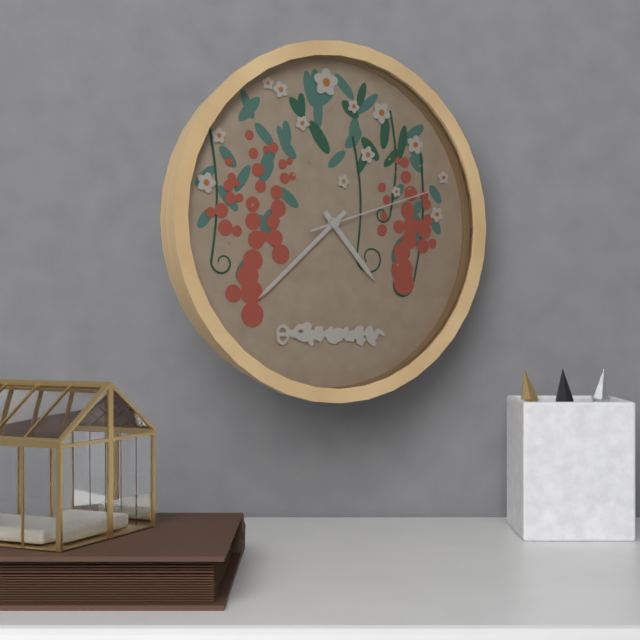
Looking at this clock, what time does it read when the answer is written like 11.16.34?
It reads 4.38.12
